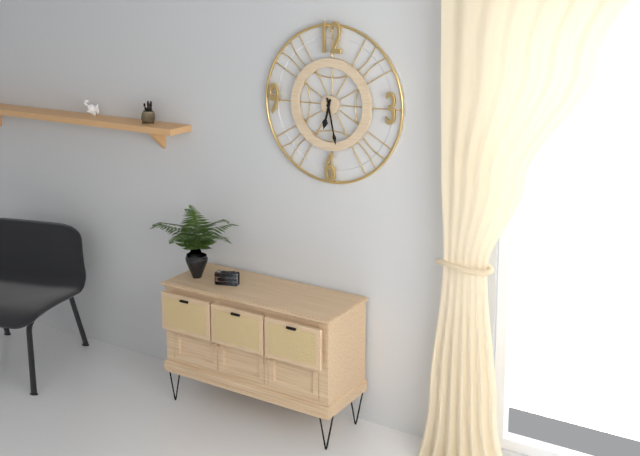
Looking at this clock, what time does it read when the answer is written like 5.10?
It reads 6.28
